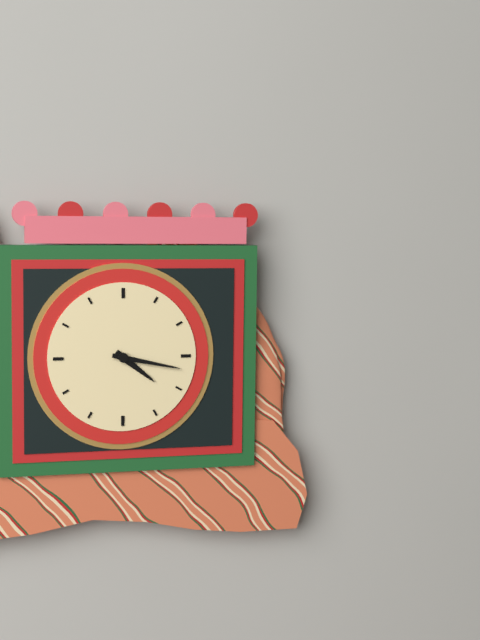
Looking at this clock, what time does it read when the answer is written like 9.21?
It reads 4.17
